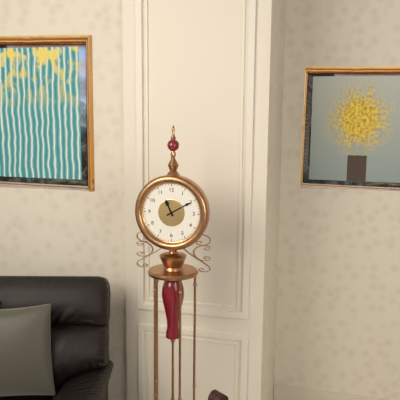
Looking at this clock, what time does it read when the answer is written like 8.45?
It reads 11.10
